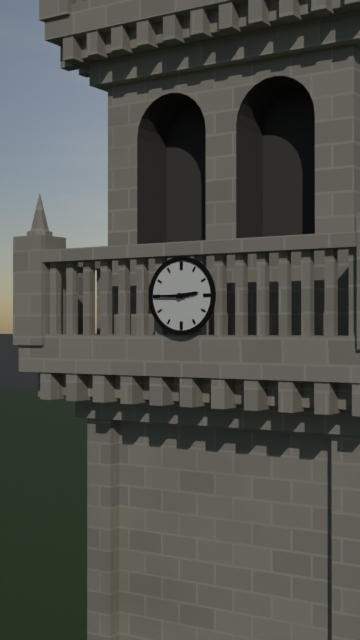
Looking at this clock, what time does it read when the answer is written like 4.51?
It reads 2.45
